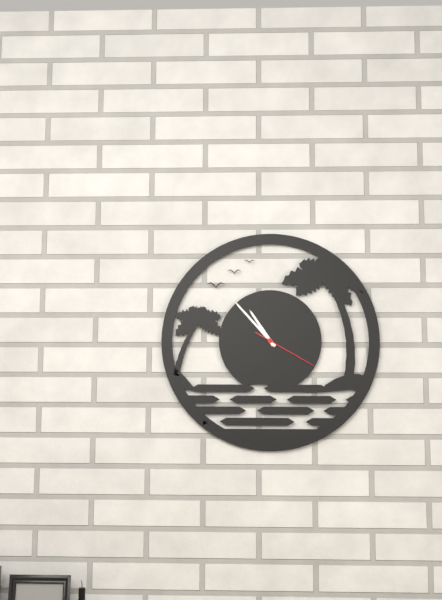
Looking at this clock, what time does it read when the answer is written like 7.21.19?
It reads 10.53.20
